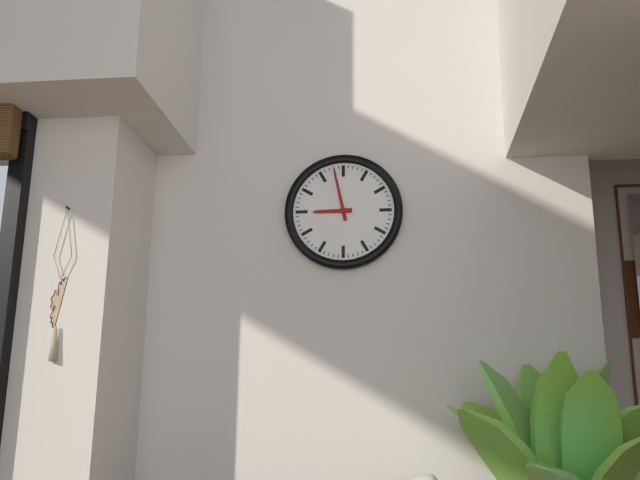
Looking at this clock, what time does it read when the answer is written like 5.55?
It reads 8.58
